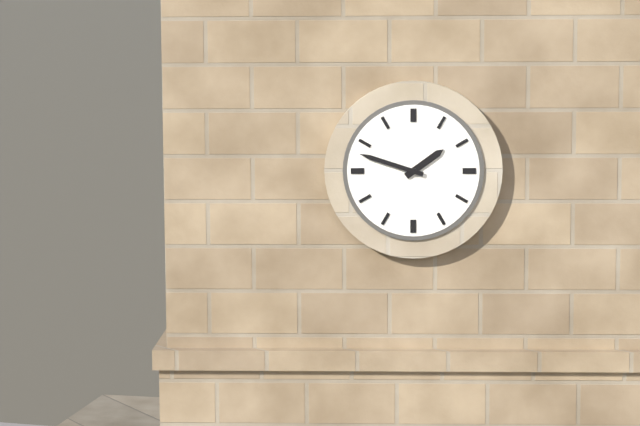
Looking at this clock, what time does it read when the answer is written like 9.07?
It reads 1.48
